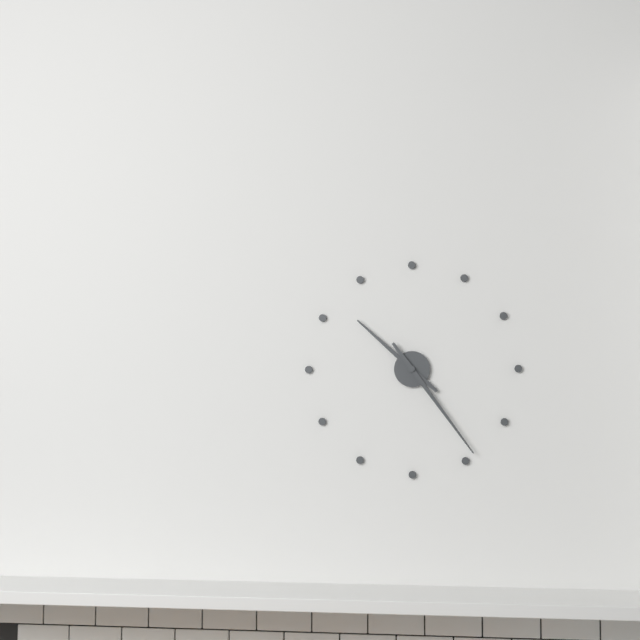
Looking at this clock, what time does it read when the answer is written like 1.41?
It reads 10.24
